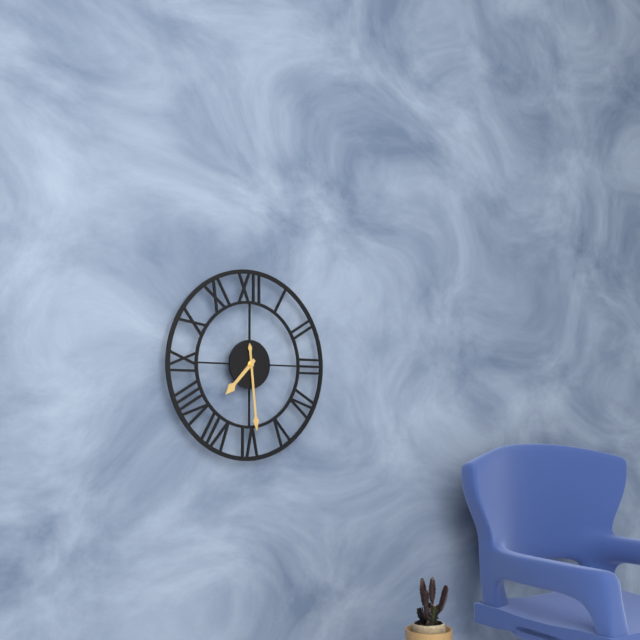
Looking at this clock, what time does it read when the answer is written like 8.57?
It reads 7.29
